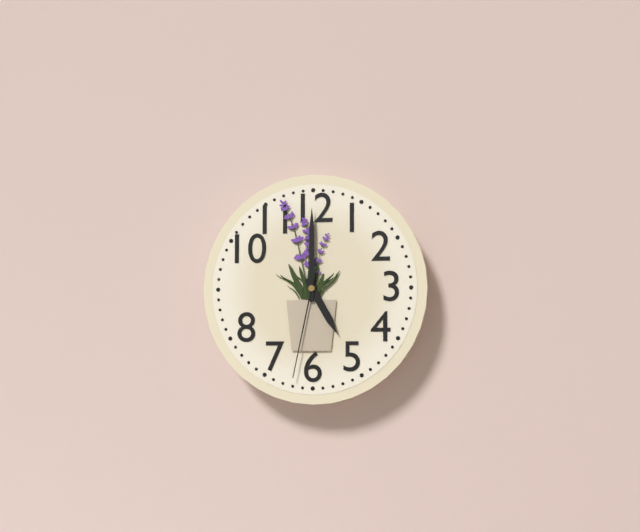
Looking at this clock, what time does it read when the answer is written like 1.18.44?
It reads 5.00.32
